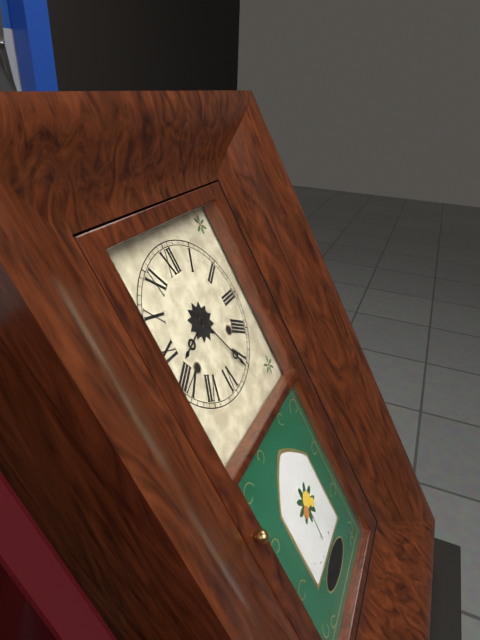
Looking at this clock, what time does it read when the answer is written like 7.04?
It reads 8.26
